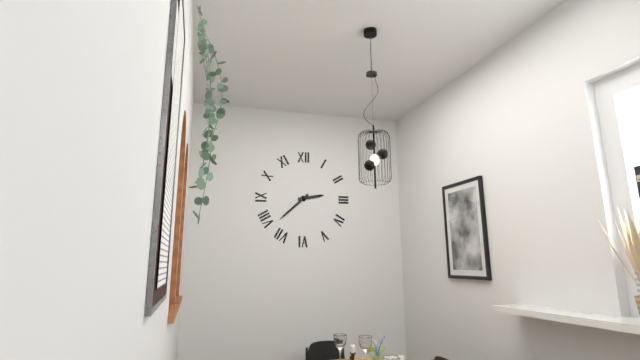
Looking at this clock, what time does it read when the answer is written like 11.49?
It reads 2.38
